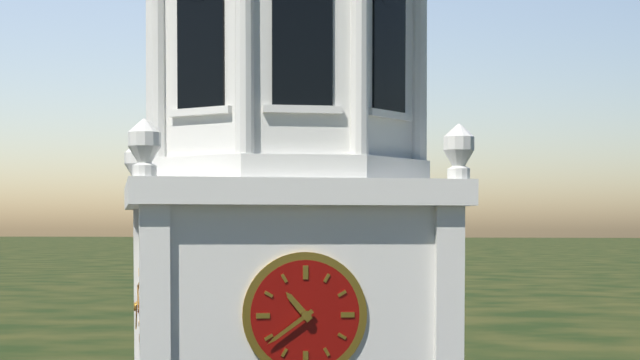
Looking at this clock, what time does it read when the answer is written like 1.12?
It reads 10.39
